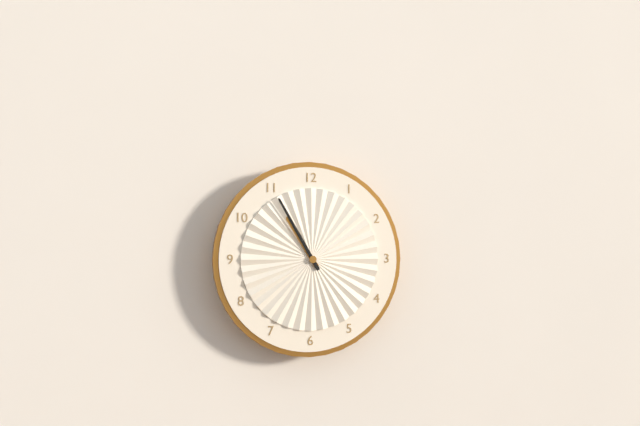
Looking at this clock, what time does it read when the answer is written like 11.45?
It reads 10.55
